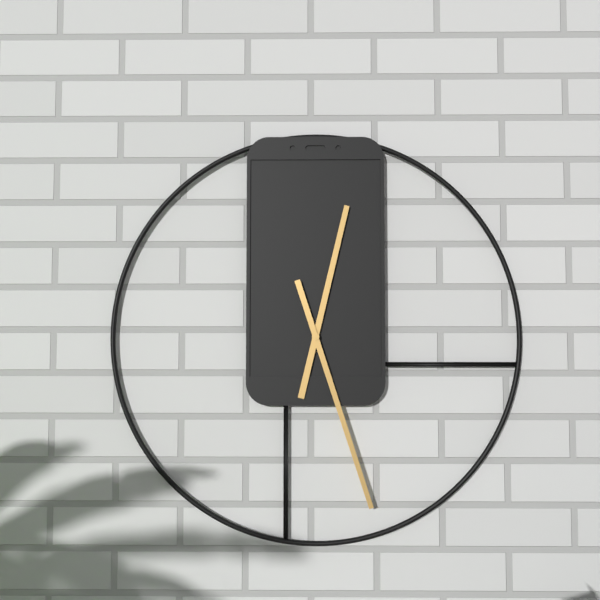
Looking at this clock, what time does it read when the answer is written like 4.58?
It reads 12.27
